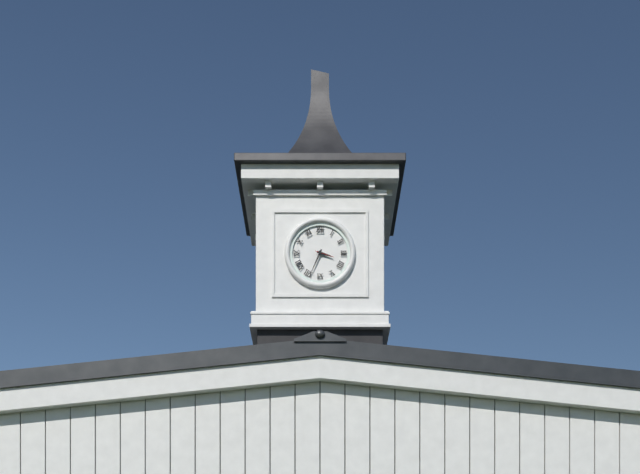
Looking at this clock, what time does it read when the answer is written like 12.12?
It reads 3.34
